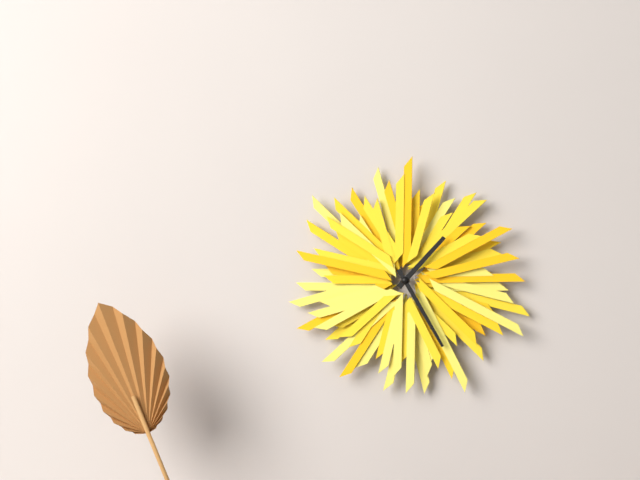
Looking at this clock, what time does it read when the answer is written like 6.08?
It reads 1.25
